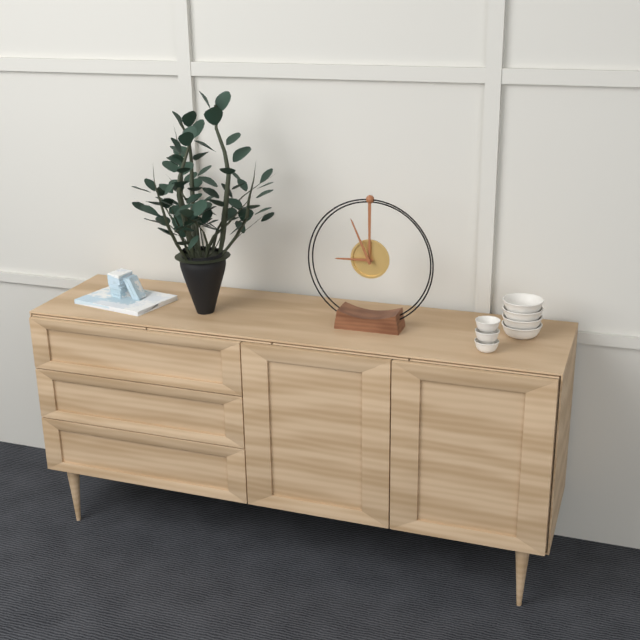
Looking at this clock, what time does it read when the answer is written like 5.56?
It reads 8.56
